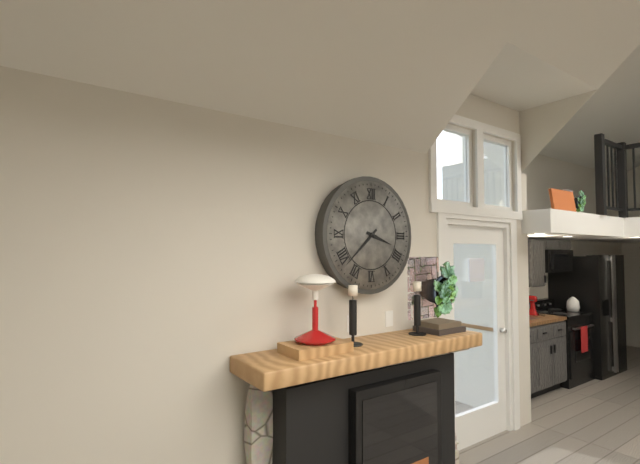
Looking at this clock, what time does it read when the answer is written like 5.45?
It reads 3.38
